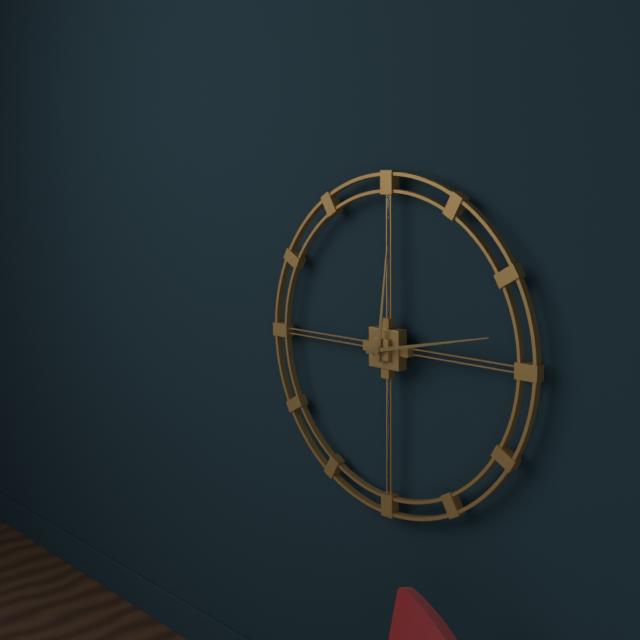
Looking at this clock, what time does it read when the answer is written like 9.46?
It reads 12.13
